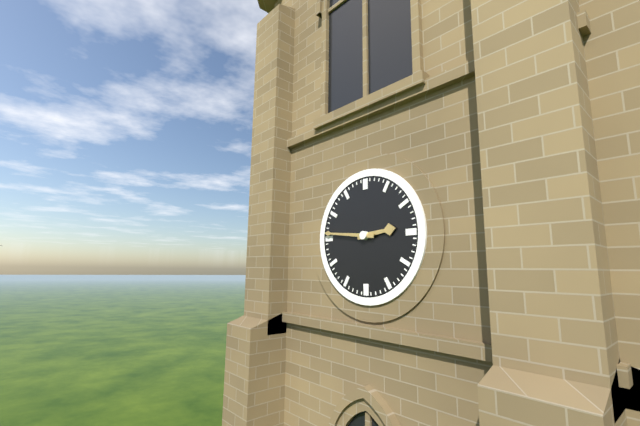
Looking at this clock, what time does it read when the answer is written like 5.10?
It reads 2.46
